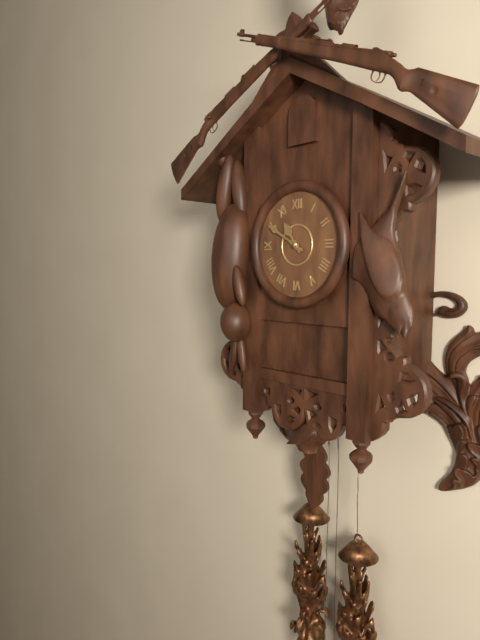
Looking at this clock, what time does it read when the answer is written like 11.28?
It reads 10.50
